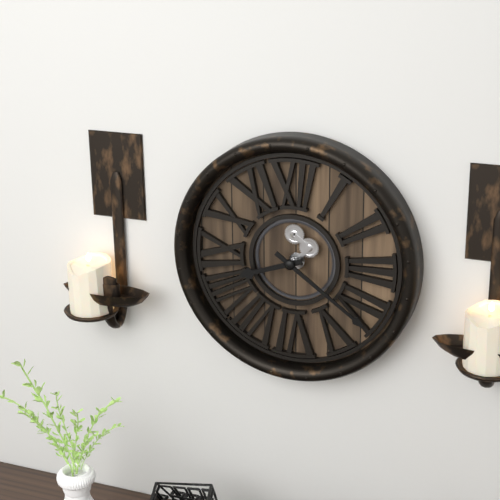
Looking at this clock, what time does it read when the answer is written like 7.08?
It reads 8.21
